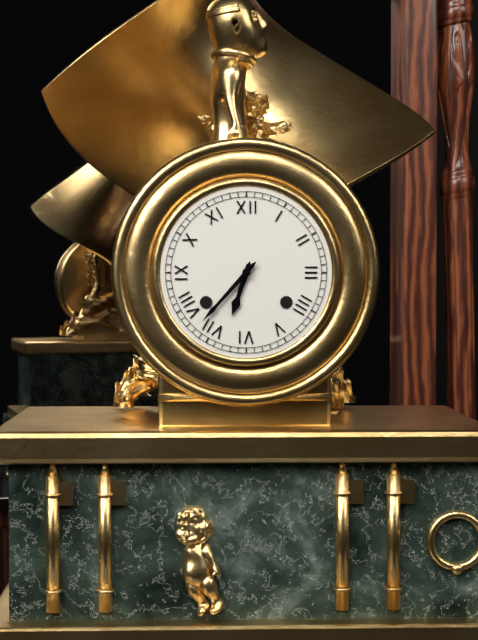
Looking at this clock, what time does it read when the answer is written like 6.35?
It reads 6.37
